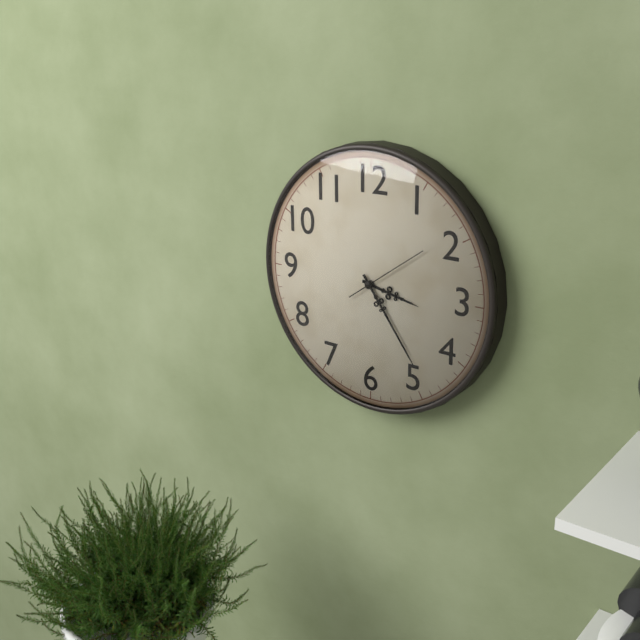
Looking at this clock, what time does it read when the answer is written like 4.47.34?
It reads 3.24.09
